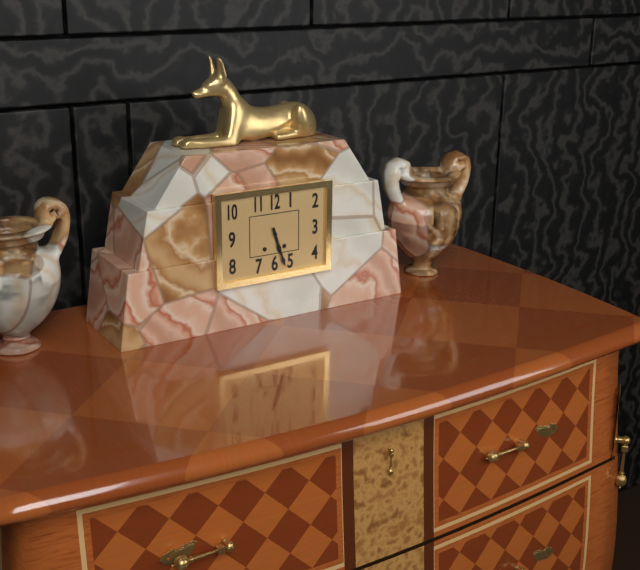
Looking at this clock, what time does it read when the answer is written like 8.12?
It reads 5.27
